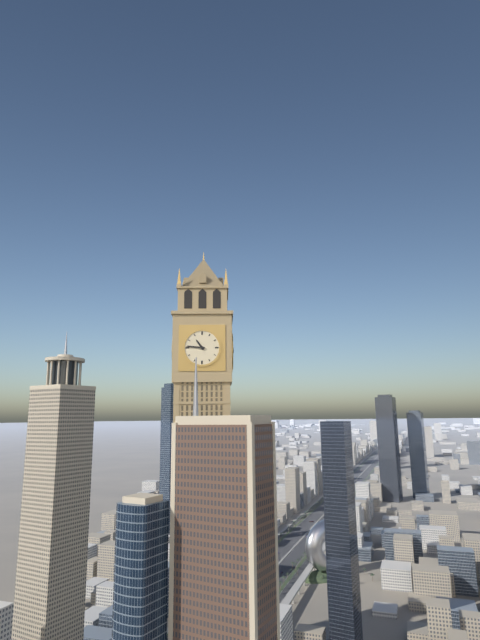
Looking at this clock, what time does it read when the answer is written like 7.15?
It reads 10.46
